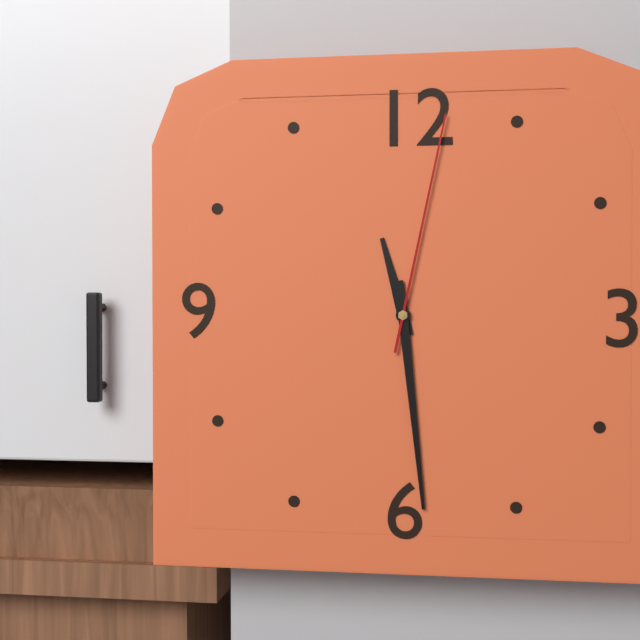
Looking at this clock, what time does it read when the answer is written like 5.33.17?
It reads 11.29.02
